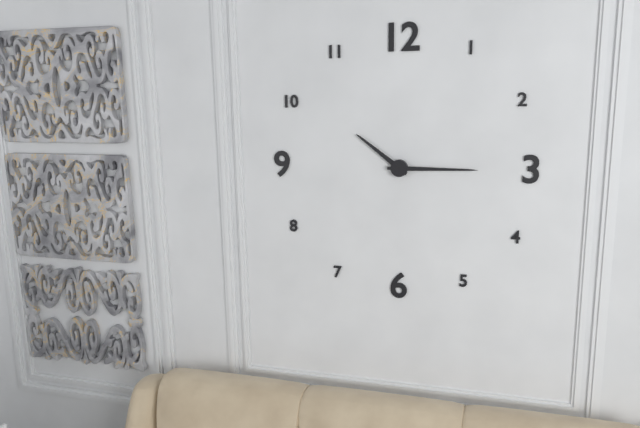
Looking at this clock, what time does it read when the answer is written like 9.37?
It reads 10.15
